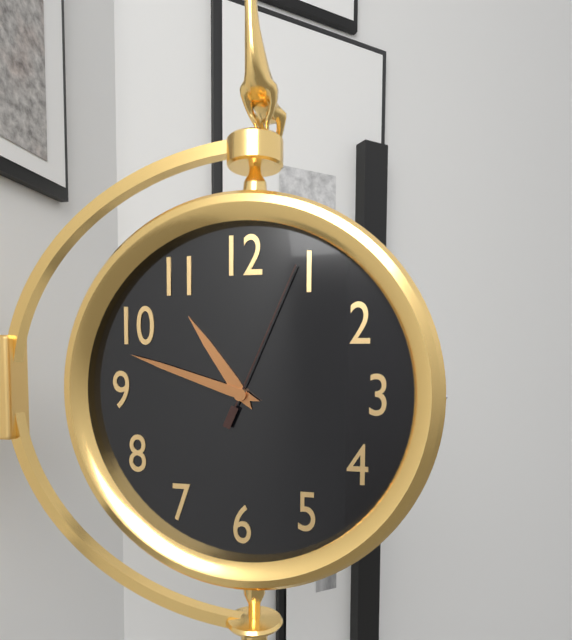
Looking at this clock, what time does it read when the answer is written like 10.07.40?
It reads 10.48.04
